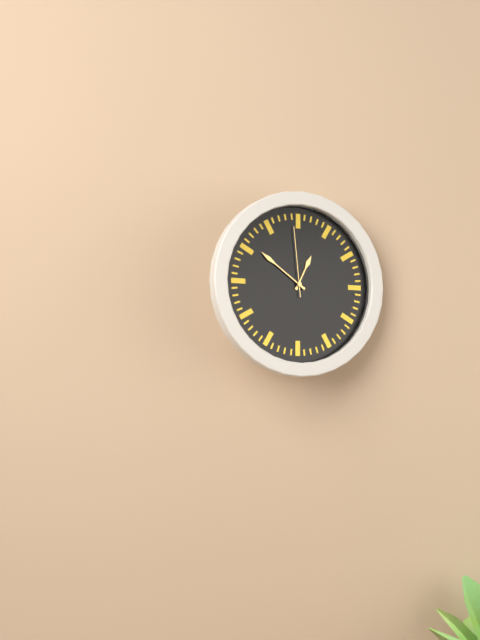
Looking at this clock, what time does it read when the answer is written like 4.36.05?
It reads 12.51.59
